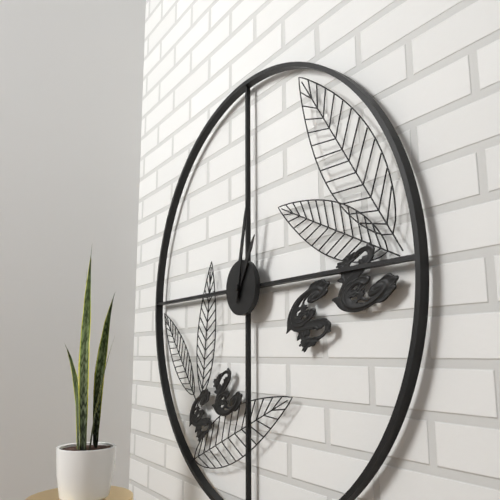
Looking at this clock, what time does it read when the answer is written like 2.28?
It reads 1.02
